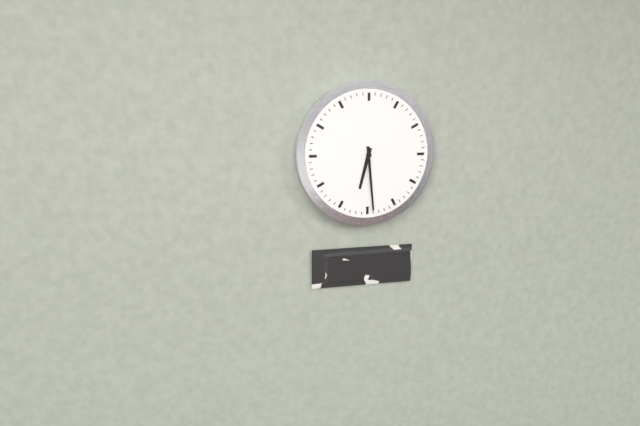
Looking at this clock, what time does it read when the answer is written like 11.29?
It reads 6.29
